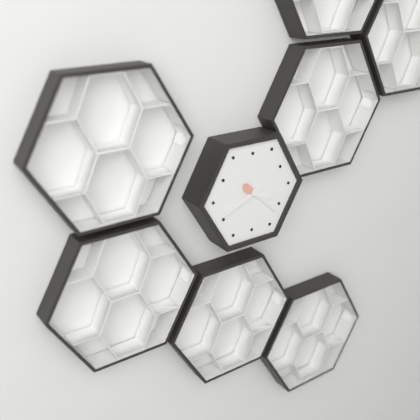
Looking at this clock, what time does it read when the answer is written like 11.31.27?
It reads 3.41.22
